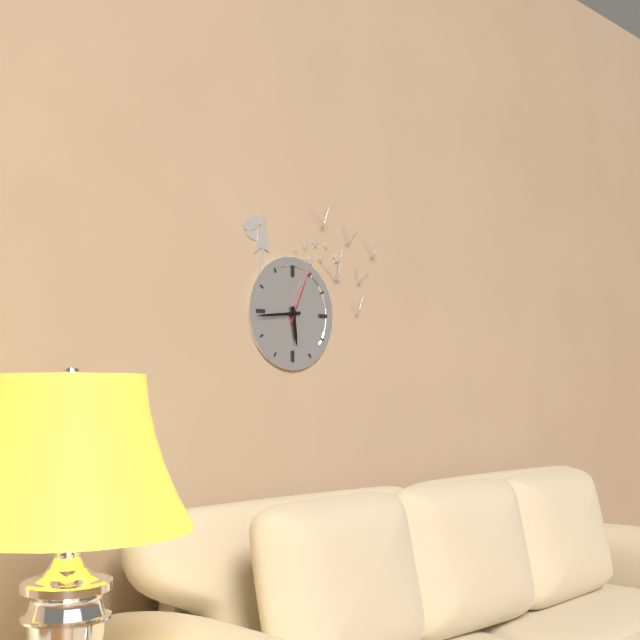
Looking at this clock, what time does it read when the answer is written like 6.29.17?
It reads 5.44.04
